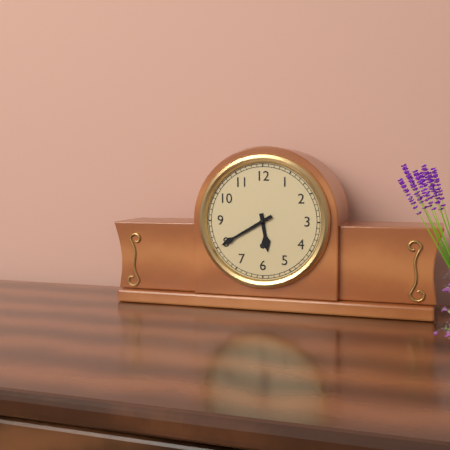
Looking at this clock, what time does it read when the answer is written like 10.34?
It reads 5.40
